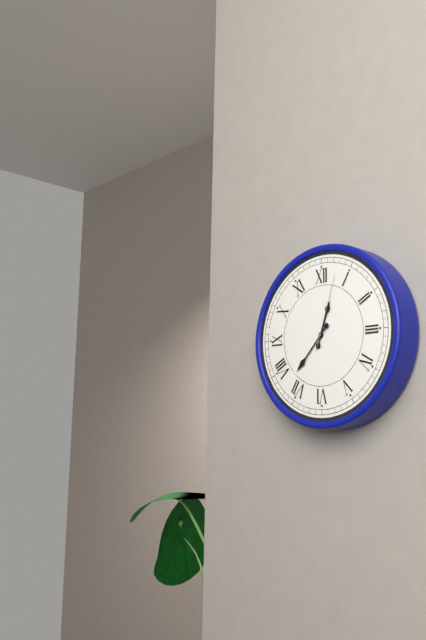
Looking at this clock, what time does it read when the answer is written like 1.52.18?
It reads 12.37.03
